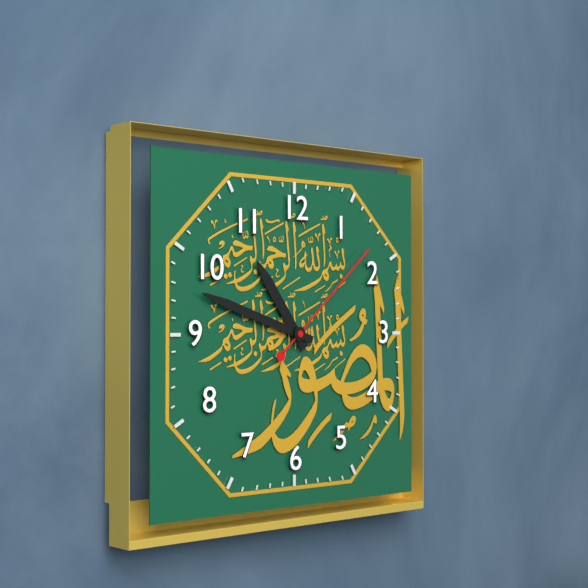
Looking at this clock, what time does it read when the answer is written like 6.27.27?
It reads 10.48.08
